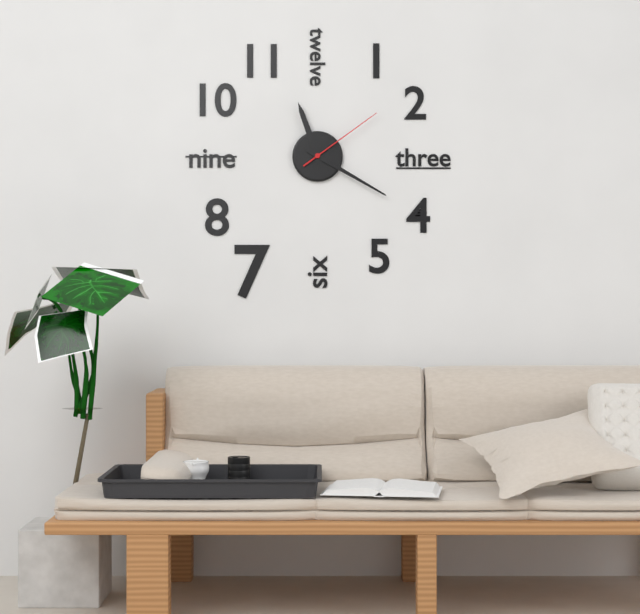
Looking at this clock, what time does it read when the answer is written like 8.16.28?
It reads 11.20.09
